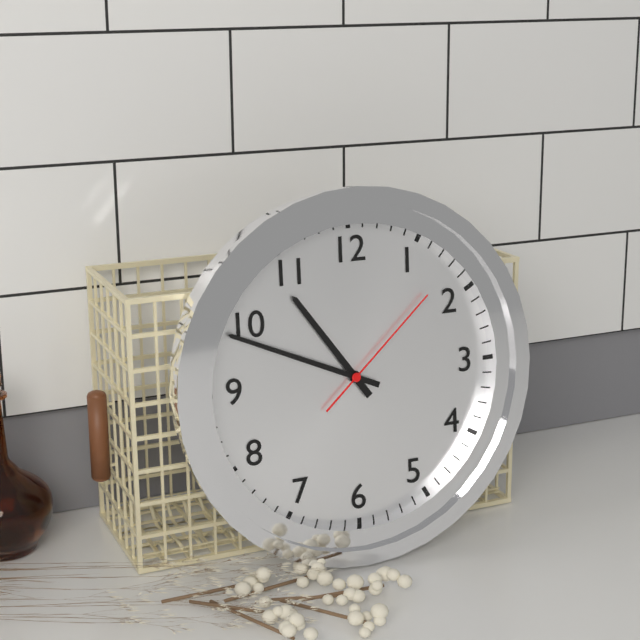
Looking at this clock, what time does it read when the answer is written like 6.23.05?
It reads 10.49.08
